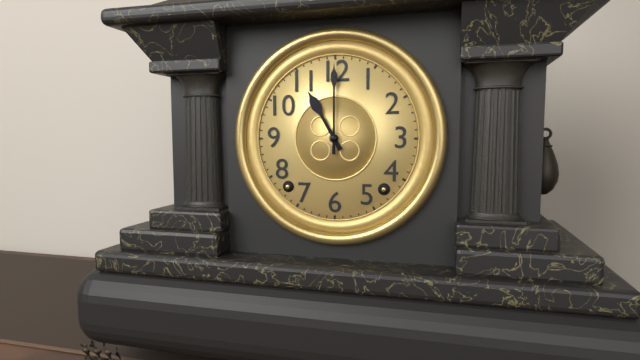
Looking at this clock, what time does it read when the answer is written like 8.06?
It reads 11.00
